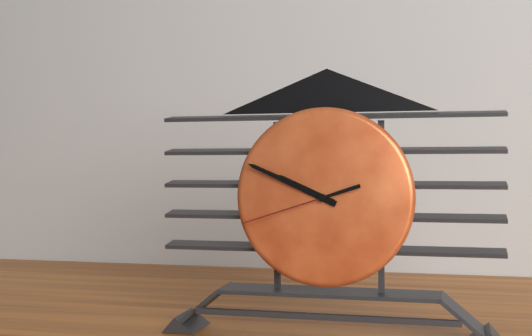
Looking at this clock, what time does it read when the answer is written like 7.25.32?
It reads 9.49.42
